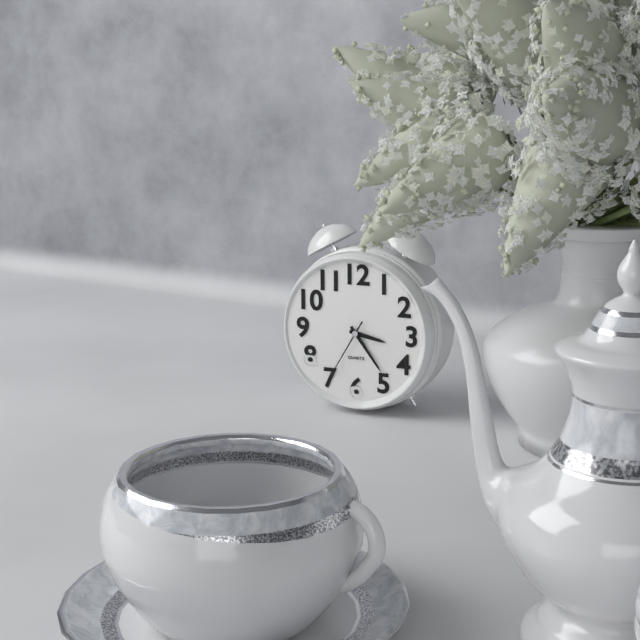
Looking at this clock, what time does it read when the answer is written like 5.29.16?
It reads 3.24.35
